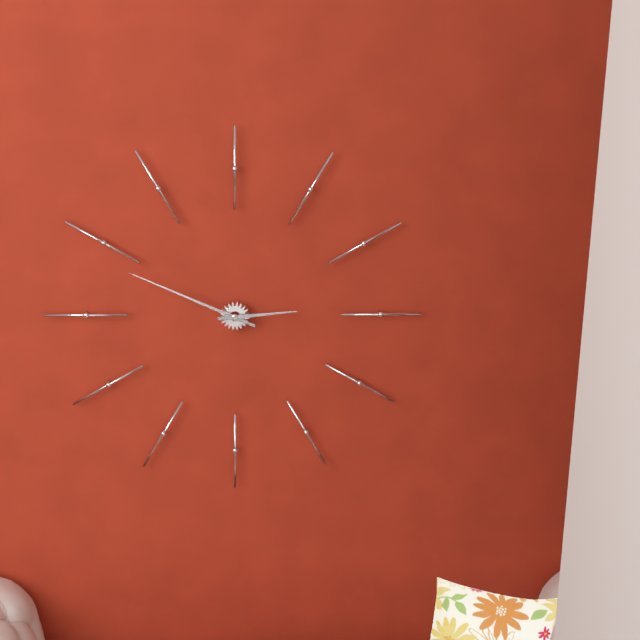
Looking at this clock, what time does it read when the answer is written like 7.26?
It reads 2.49
